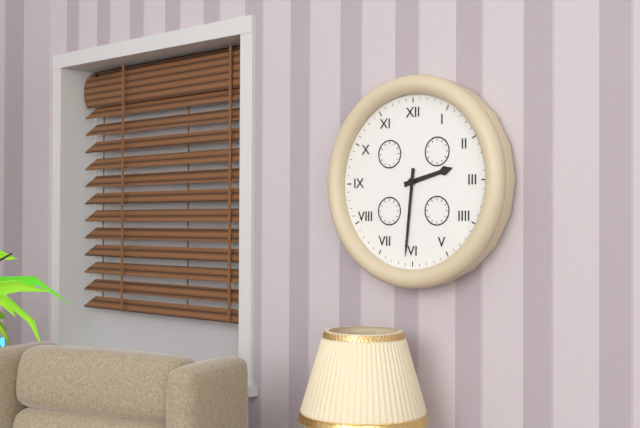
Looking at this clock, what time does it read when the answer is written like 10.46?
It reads 2.31
